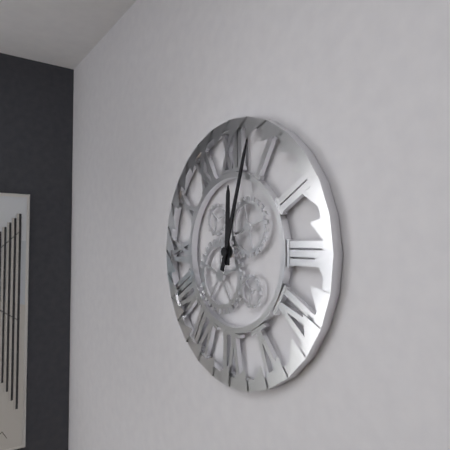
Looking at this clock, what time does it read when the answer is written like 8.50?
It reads 12.03
